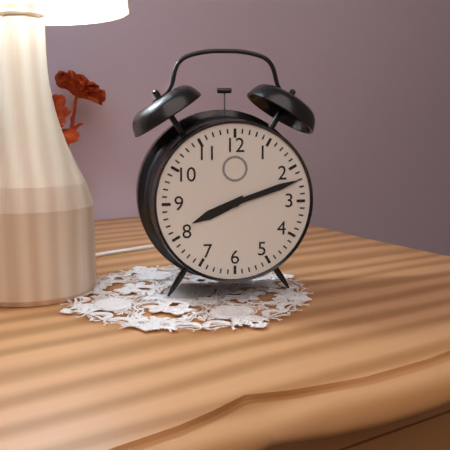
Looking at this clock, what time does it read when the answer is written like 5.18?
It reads 8.12
